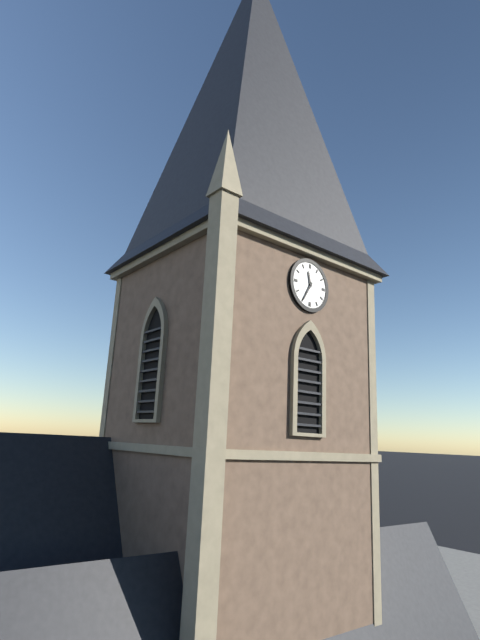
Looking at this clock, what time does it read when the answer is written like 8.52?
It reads 11.35
